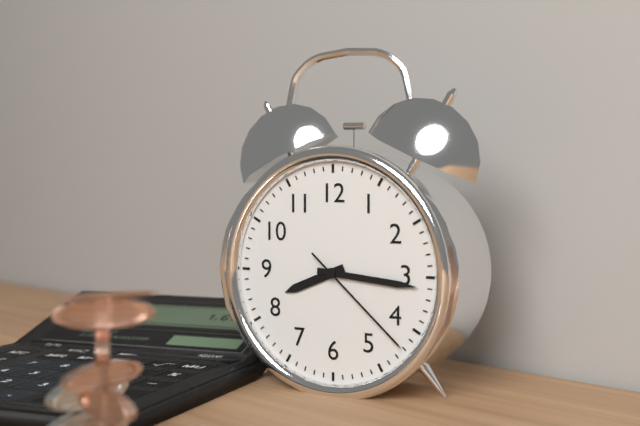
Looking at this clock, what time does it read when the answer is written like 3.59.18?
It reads 8.16.22
